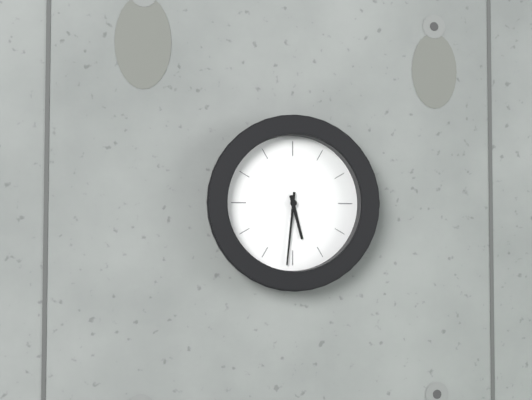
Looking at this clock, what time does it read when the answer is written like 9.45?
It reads 5.31
